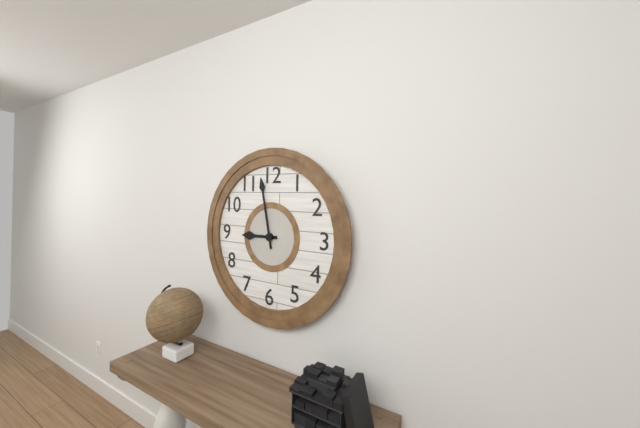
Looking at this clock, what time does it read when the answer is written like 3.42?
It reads 8.58
